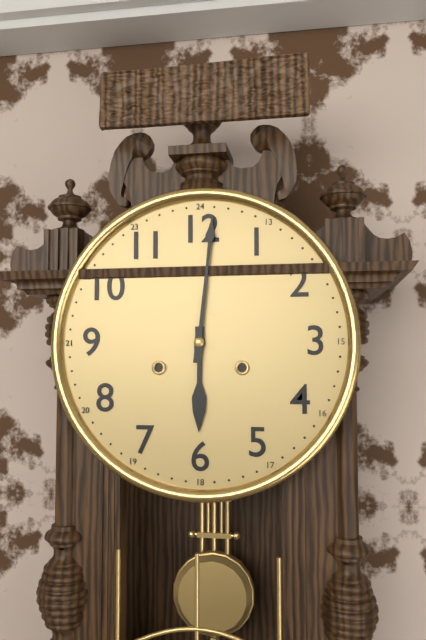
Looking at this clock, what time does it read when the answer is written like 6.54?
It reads 6.01
